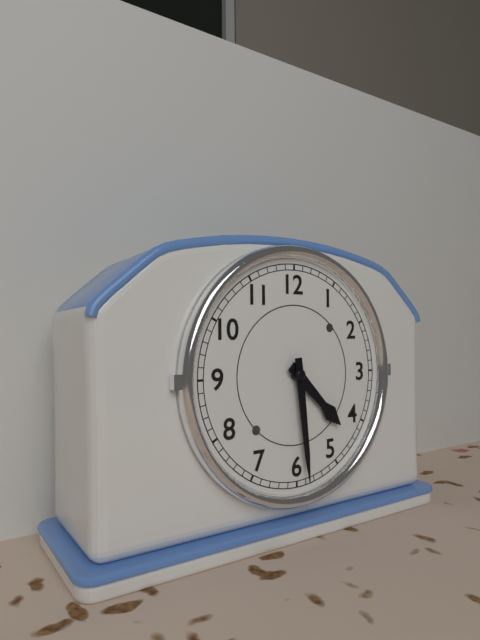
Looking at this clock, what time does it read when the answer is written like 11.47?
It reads 4.29
